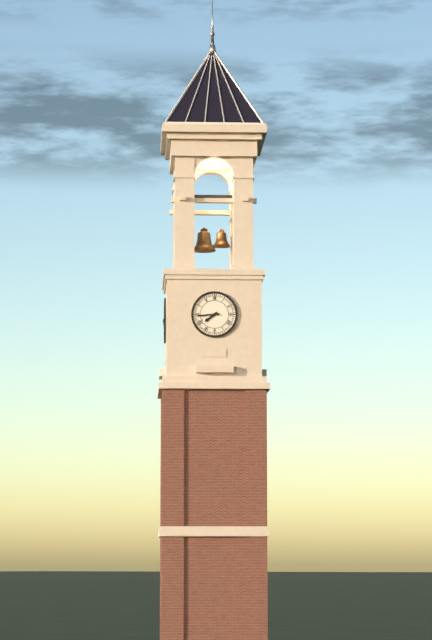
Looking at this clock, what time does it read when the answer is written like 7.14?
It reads 7.44
